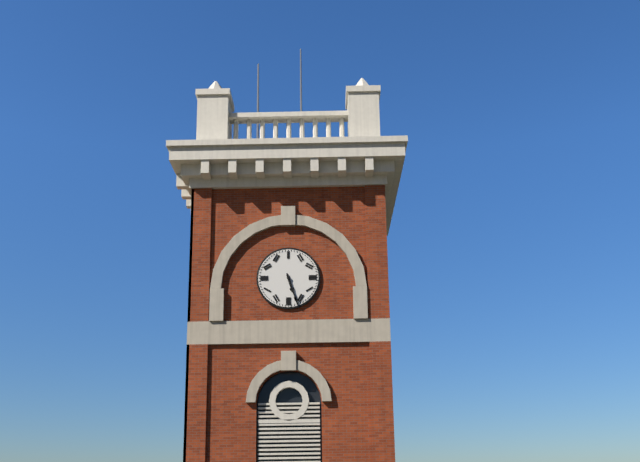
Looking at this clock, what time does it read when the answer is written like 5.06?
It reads 5.27
